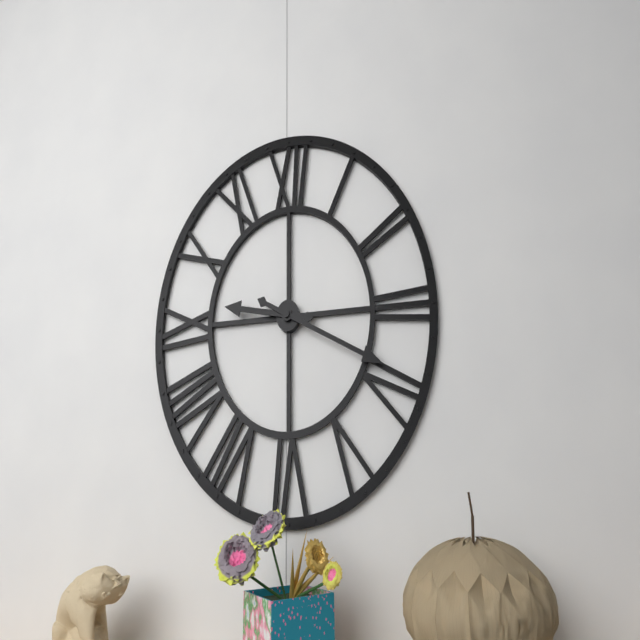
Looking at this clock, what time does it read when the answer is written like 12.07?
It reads 9.19
